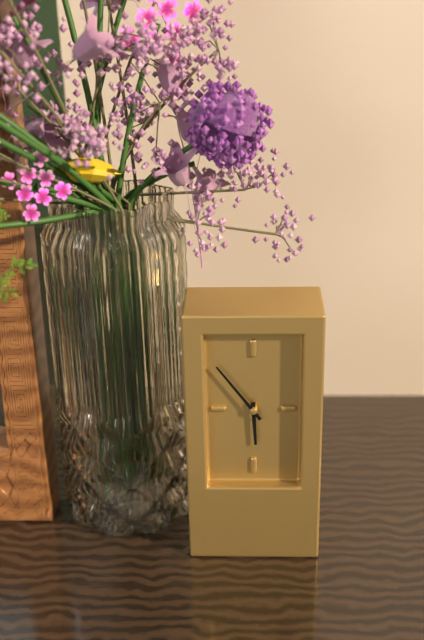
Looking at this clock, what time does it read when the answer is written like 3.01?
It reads 5.54
